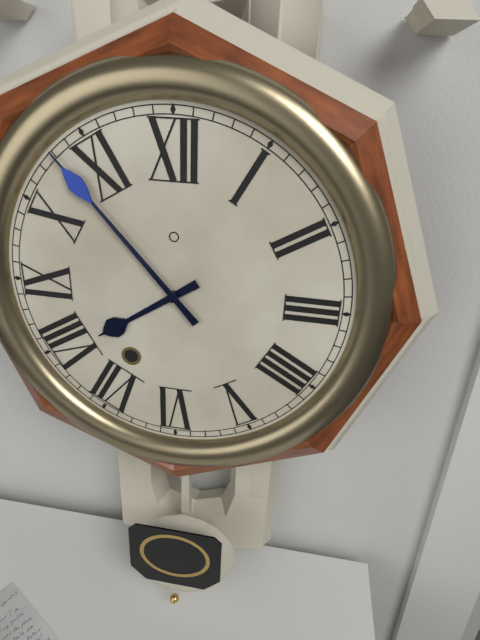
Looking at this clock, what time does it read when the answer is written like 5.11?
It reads 7.53
